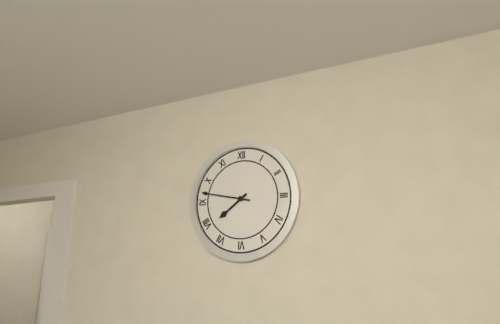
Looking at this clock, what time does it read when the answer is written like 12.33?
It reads 7.47
